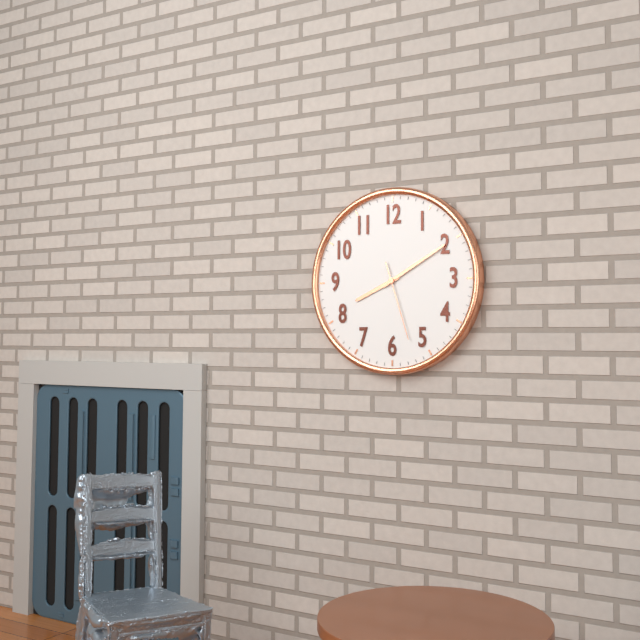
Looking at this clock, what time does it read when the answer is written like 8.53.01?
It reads 8.10.27
